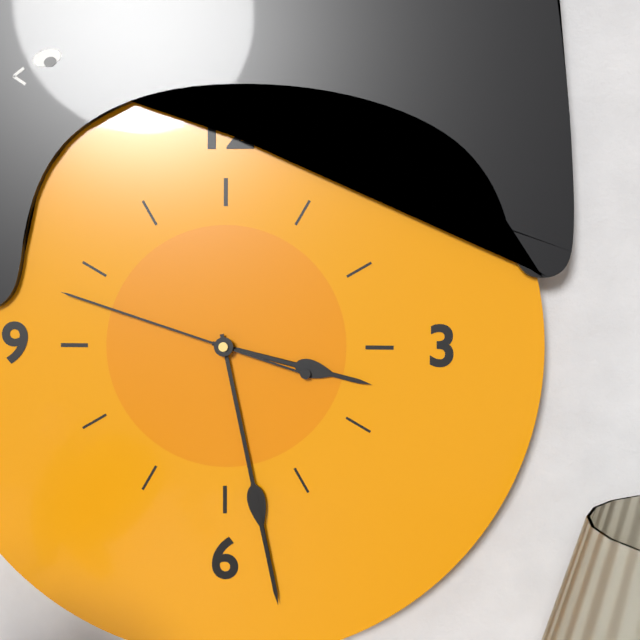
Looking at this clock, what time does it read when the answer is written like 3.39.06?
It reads 3.28.48
